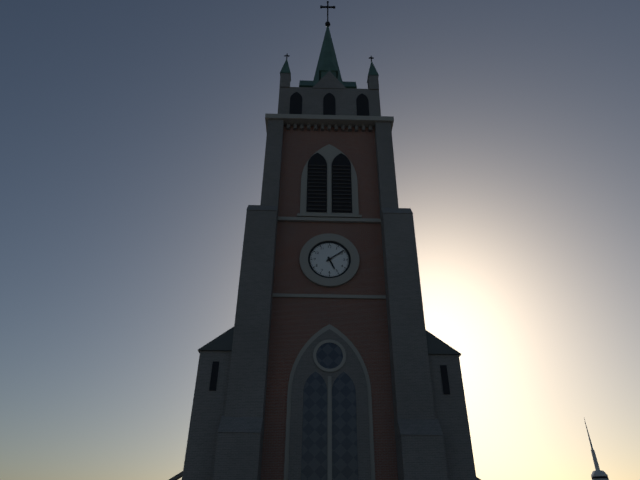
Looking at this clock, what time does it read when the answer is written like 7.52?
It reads 5.09
